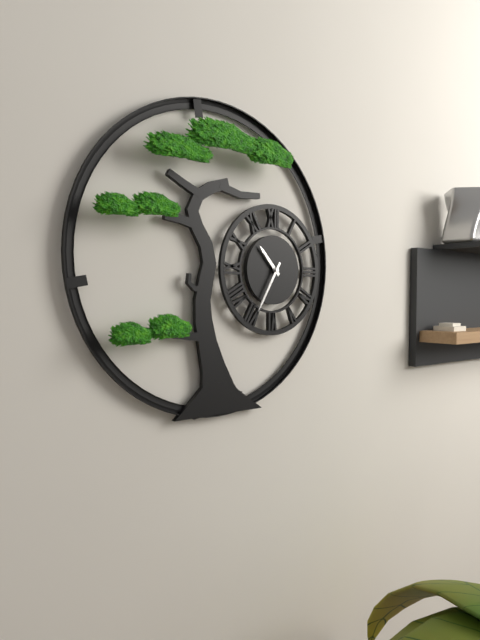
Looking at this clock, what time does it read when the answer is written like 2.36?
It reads 10.35
